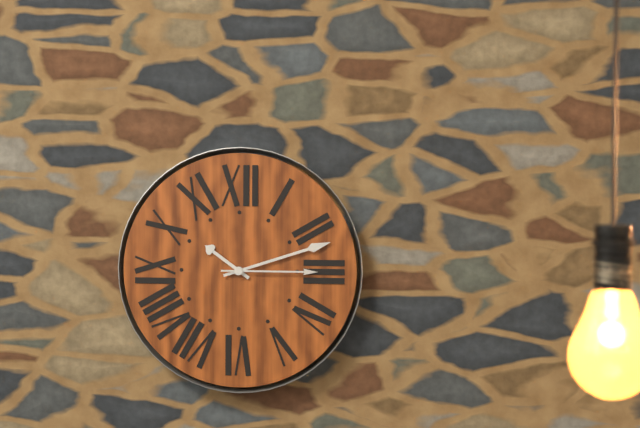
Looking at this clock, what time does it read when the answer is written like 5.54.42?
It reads 10.12.15
